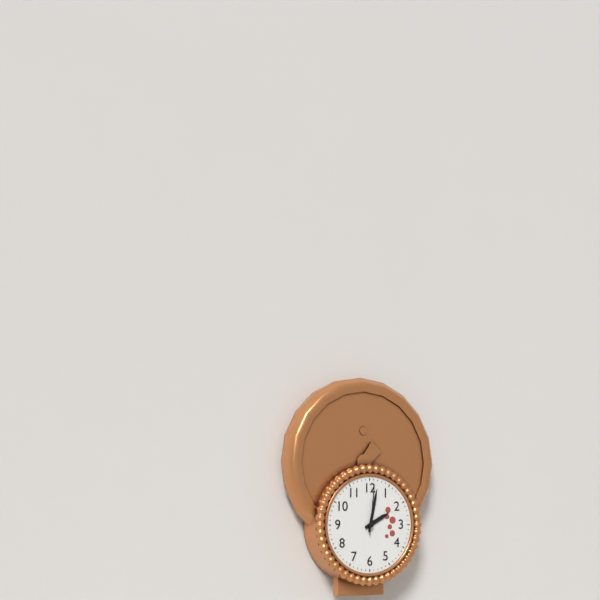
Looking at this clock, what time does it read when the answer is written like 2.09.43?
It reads 2.02.01
